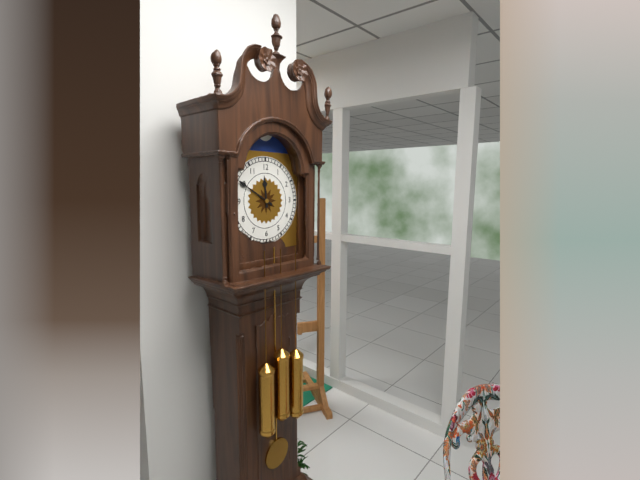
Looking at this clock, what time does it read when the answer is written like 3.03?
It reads 11.50
